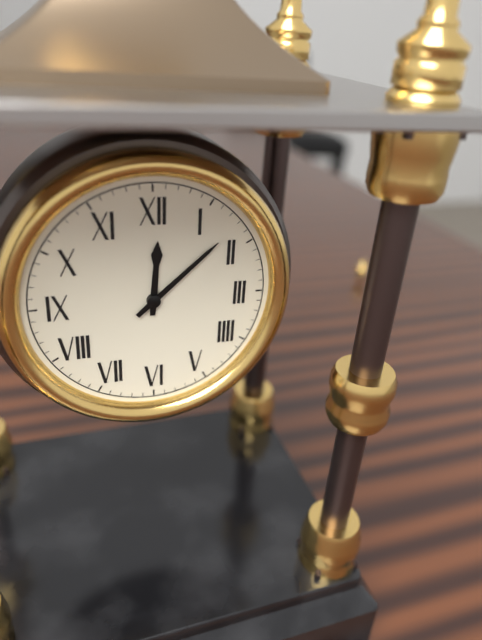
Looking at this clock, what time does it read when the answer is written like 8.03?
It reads 12.08
